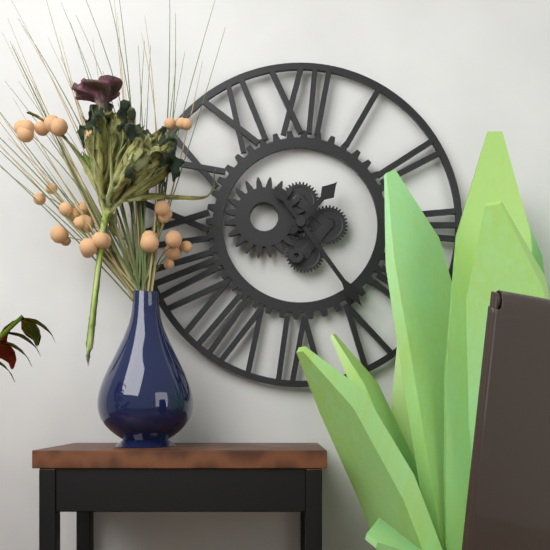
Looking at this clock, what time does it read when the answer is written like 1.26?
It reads 1.24
